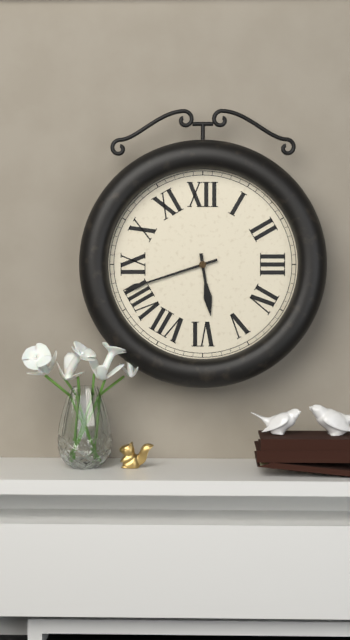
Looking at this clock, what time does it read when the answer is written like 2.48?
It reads 5.42
